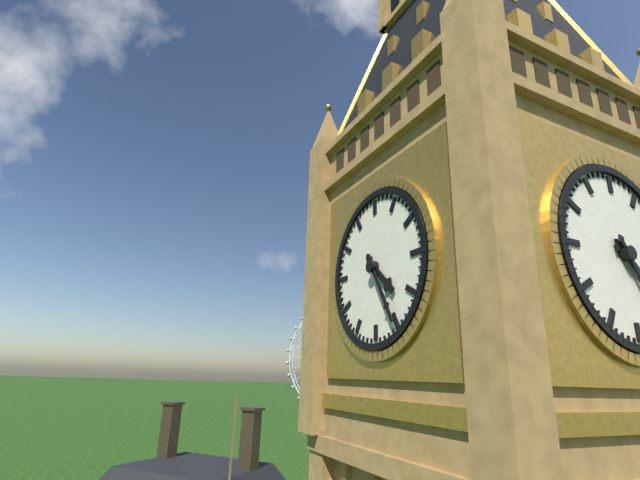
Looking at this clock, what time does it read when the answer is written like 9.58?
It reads 4.25
